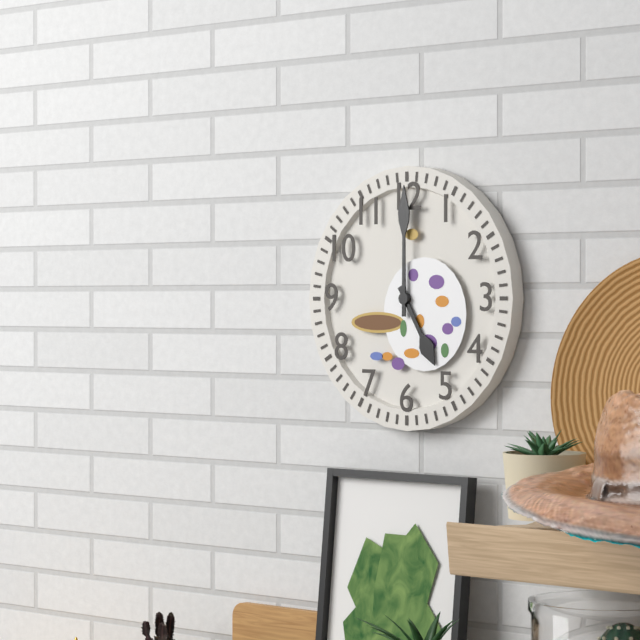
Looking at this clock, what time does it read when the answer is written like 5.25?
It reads 5.00
